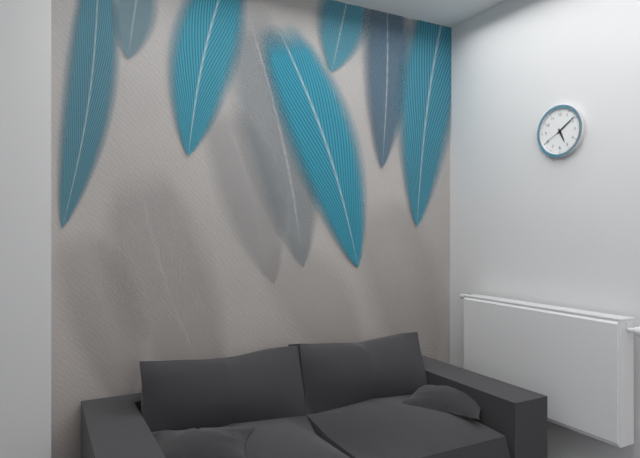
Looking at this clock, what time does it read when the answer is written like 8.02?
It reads 5.09
